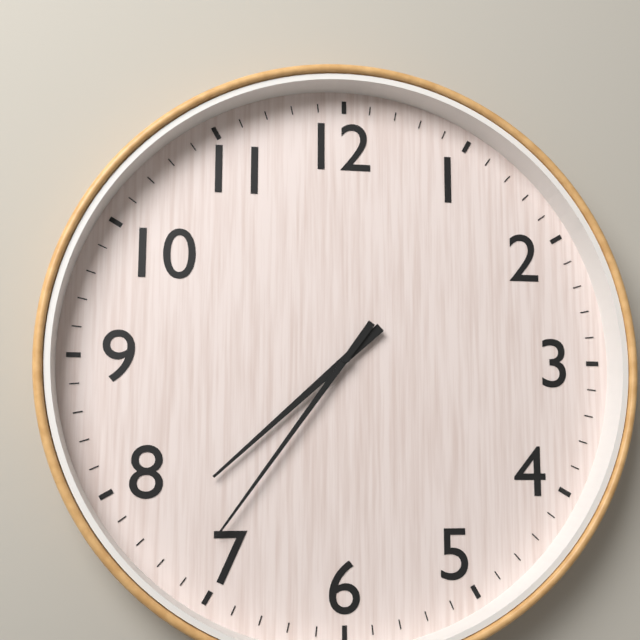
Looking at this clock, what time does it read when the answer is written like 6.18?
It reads 7.36
